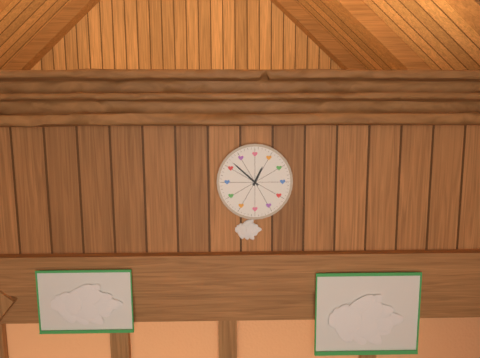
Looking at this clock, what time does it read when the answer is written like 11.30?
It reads 12.52
